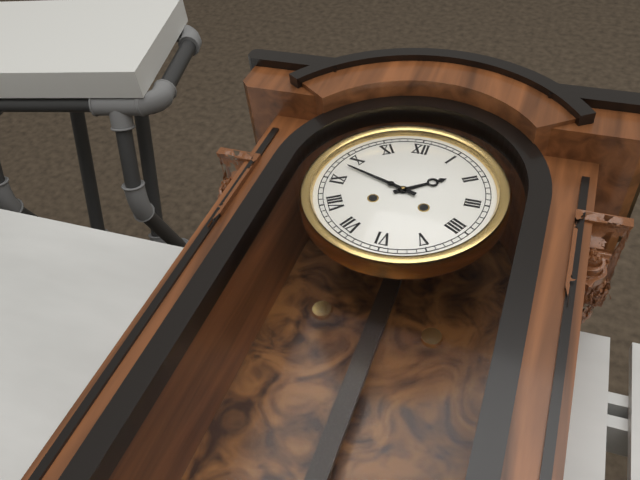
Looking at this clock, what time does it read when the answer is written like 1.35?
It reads 1.48
